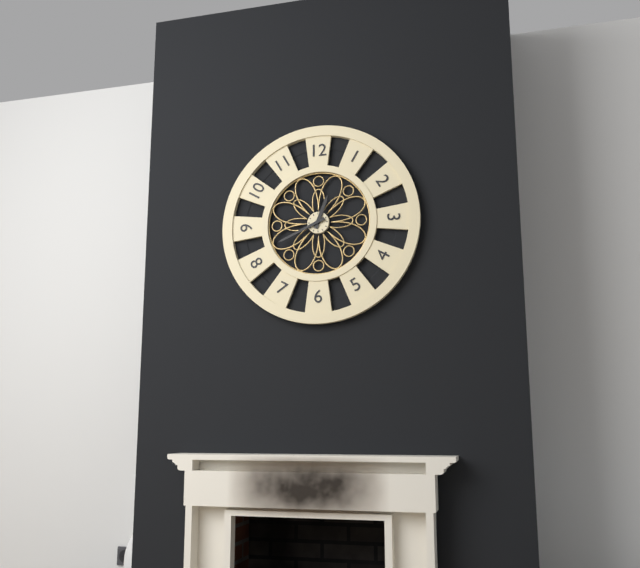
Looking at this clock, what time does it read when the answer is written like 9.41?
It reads 12.41
